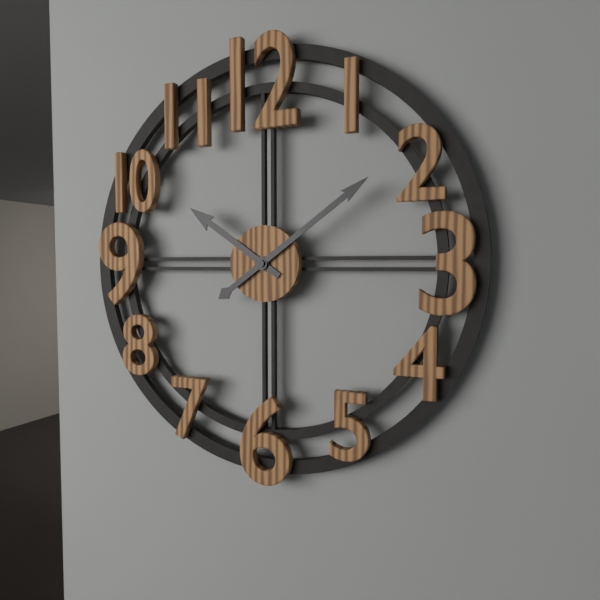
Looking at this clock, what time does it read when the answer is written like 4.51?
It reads 10.09
